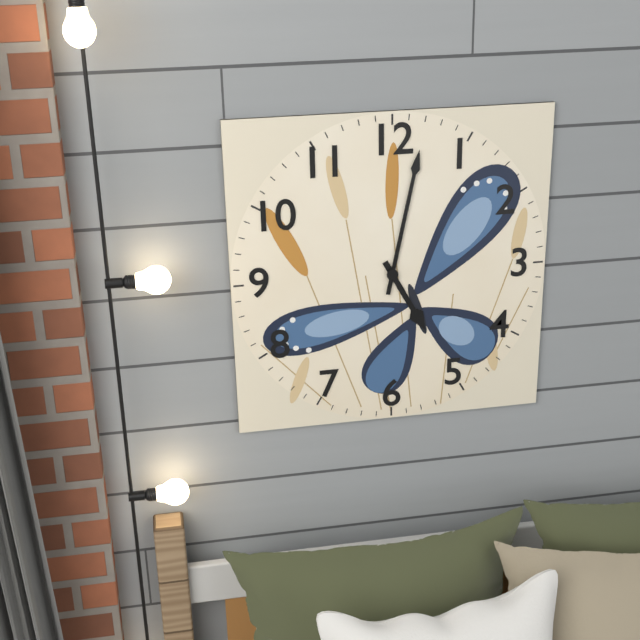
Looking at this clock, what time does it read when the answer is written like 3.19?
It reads 5.02
